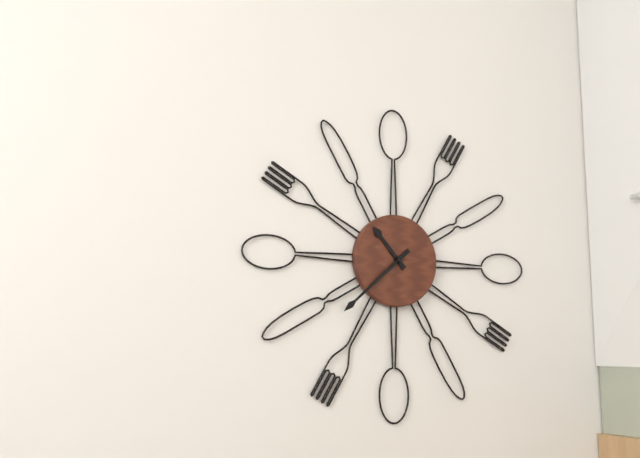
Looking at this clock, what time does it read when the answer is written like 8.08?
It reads 10.38
